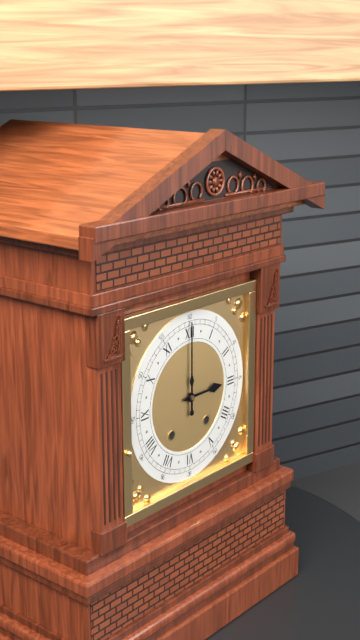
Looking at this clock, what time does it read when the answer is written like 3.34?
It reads 3.00
